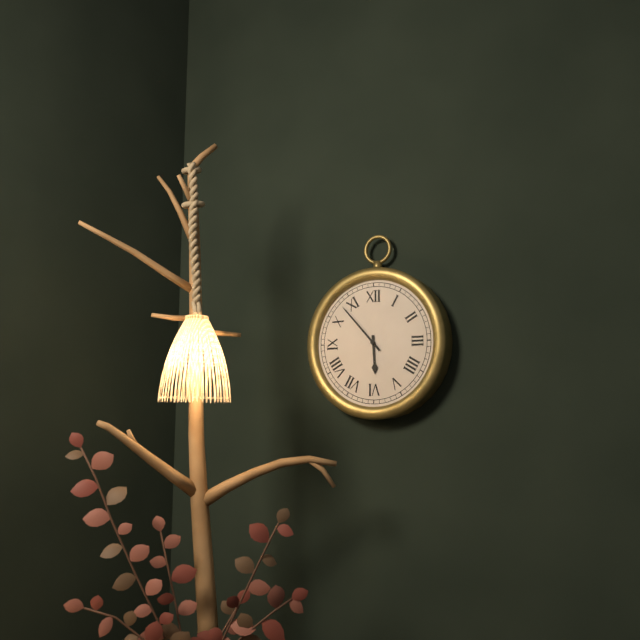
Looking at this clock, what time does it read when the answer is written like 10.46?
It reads 5.53
